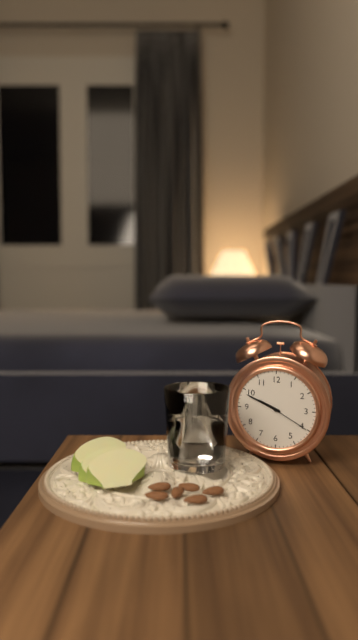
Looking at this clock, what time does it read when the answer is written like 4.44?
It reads 9.49
